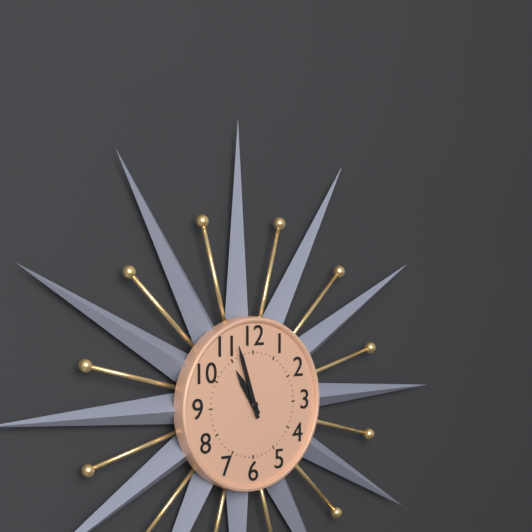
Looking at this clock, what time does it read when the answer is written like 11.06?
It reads 10.57
